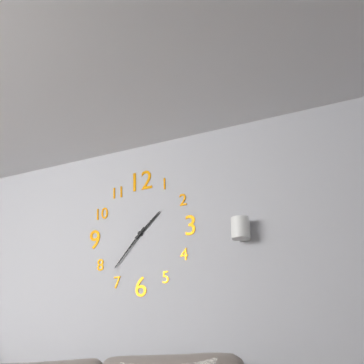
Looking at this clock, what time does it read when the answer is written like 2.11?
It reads 1.37
